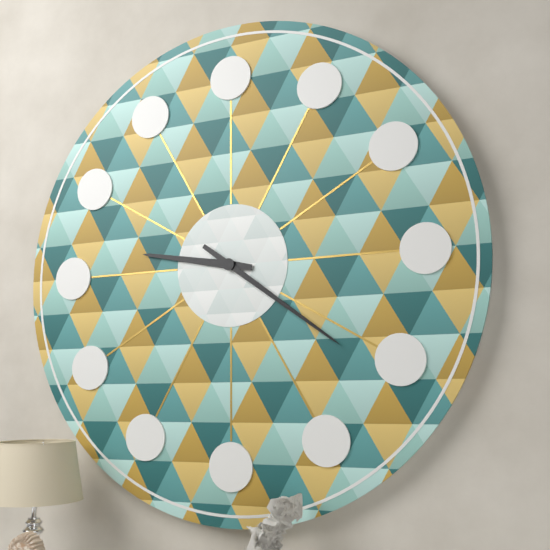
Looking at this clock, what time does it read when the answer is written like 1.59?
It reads 9.21
